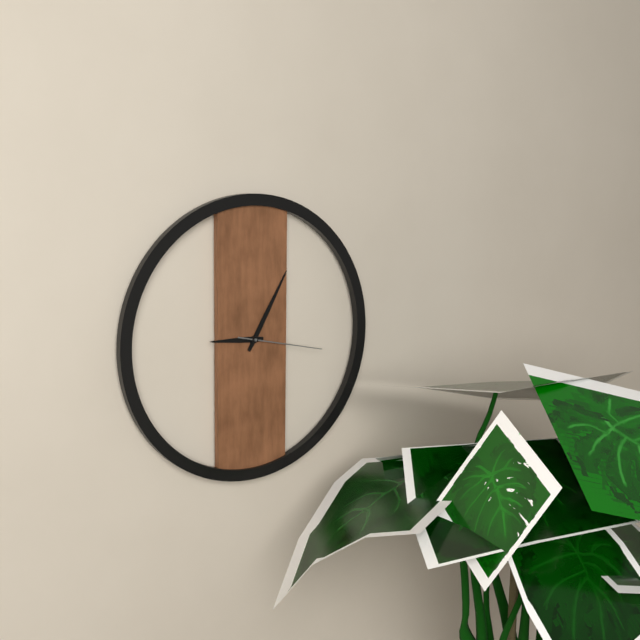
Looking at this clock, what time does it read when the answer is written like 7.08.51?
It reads 9.05.17
